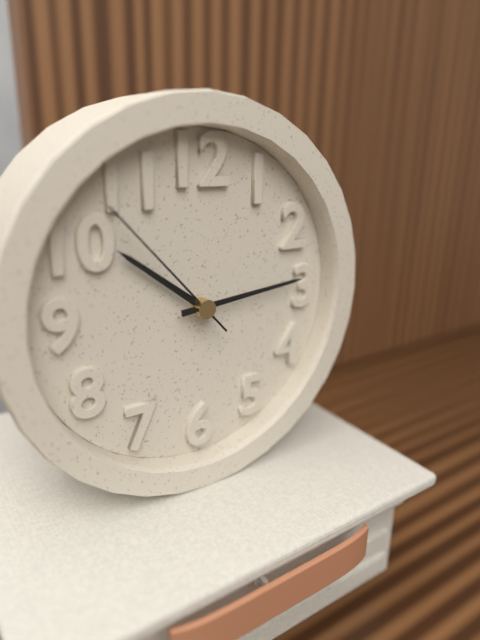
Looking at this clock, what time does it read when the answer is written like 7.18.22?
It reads 10.14.53
